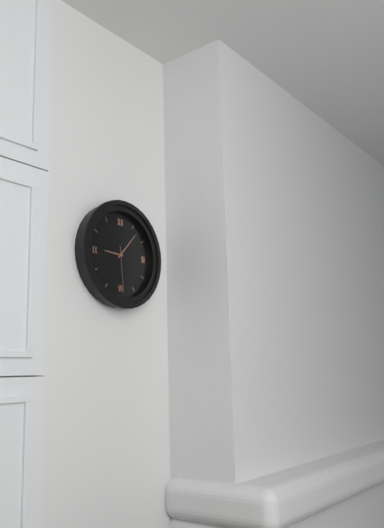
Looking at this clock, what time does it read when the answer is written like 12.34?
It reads 9.07
